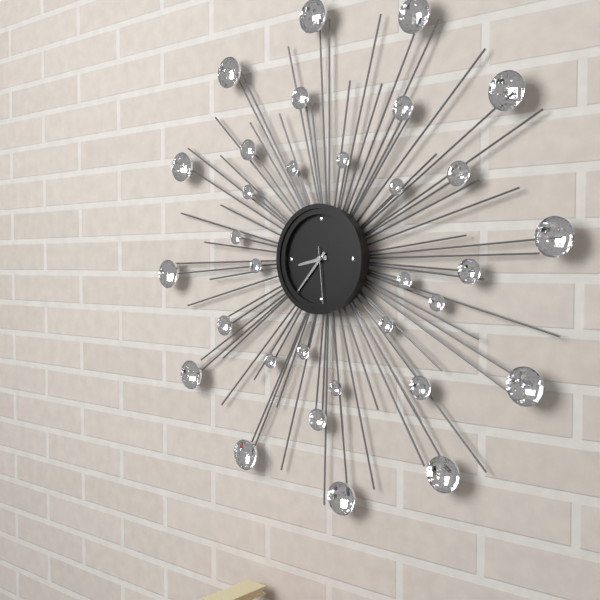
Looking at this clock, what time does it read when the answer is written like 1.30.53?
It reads 8.37.29
